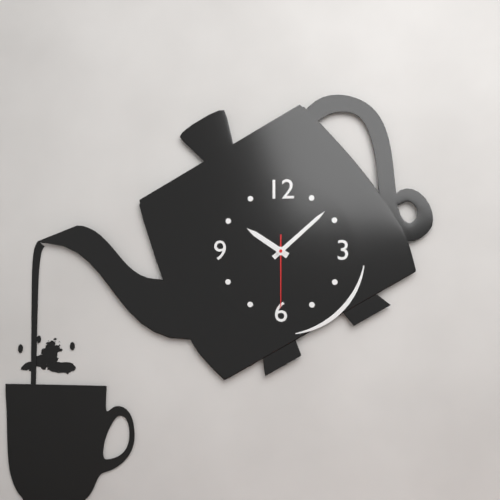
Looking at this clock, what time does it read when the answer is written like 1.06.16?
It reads 10.08.30
